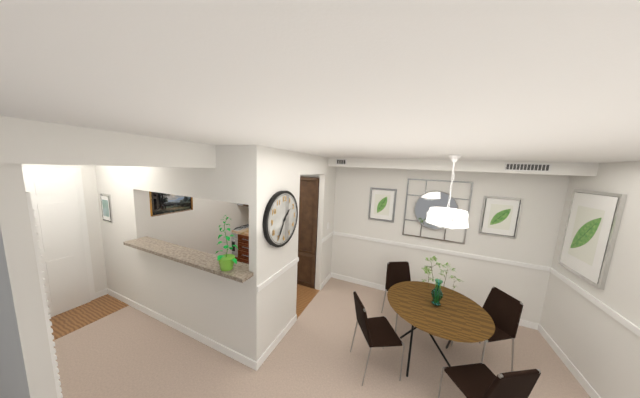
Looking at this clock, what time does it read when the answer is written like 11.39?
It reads 1.35
